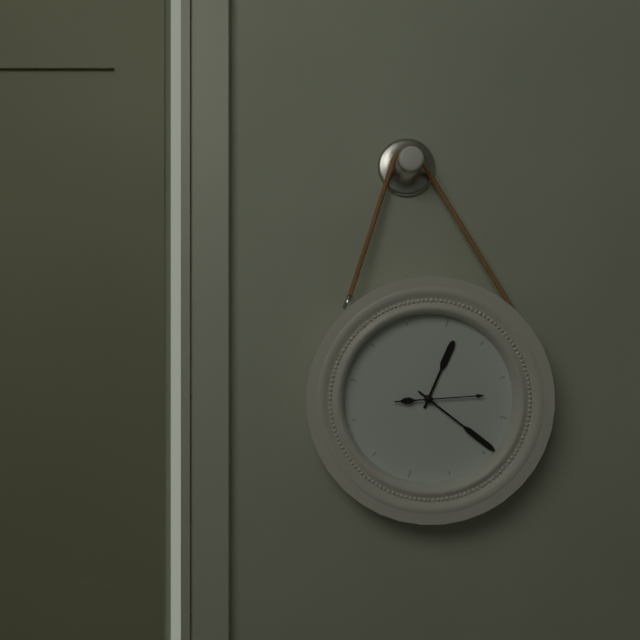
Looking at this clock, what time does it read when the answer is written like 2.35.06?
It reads 12.19.12
